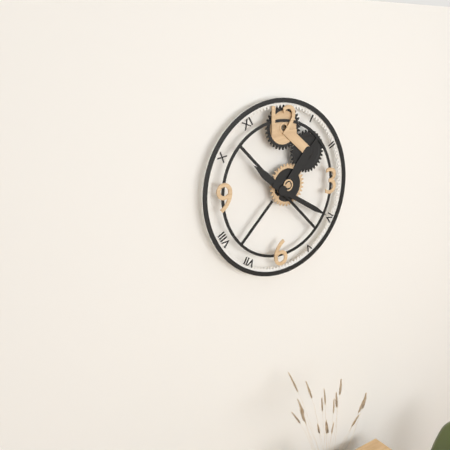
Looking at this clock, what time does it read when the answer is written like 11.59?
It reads 10.20
